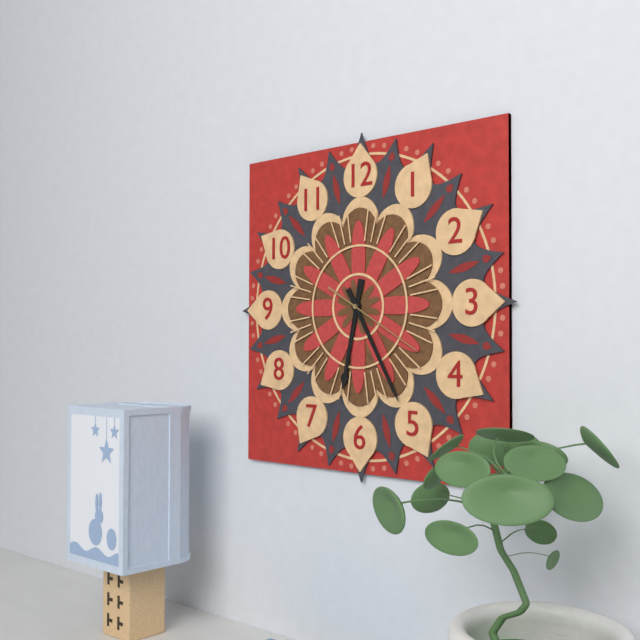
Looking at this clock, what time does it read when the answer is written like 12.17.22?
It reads 6.25.20
